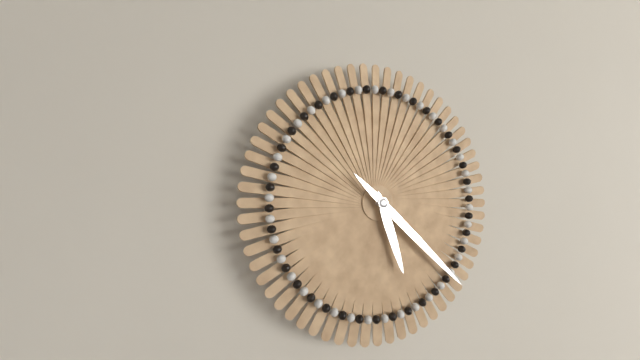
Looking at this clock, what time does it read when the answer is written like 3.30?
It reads 5.22
